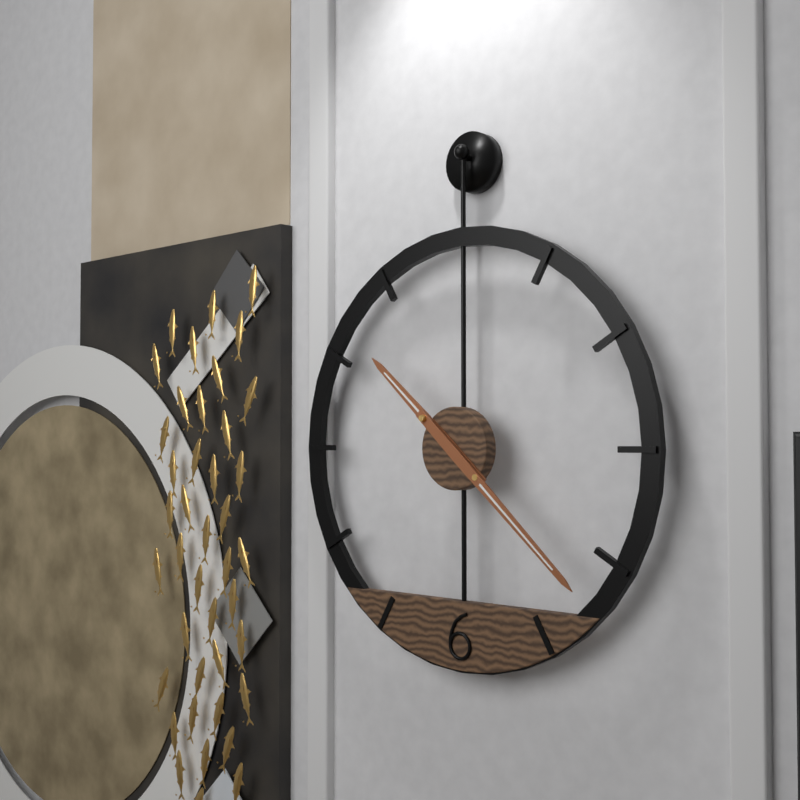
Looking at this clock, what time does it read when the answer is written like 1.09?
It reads 10.22
